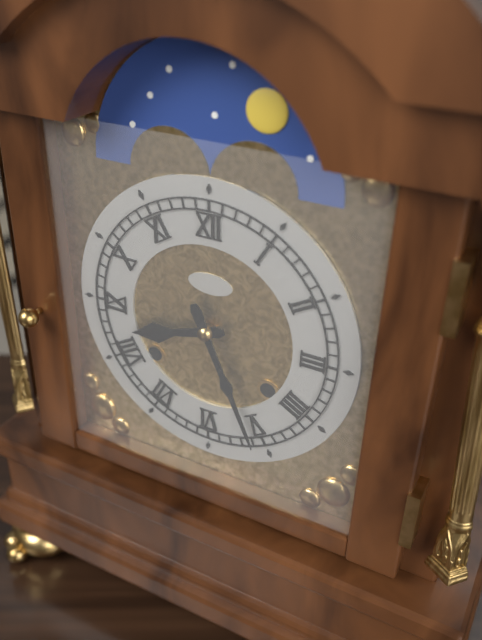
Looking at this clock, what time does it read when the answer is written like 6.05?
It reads 8.26
